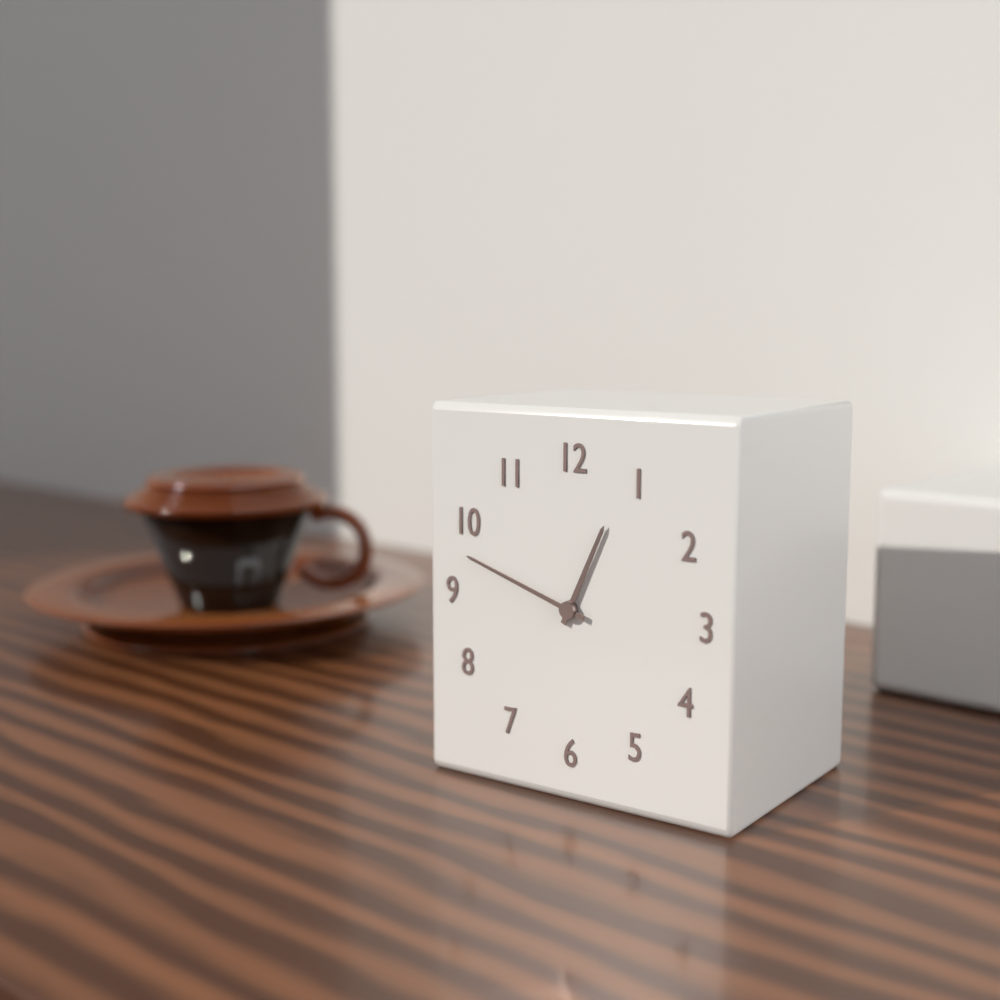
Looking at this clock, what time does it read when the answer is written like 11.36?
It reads 12.48
